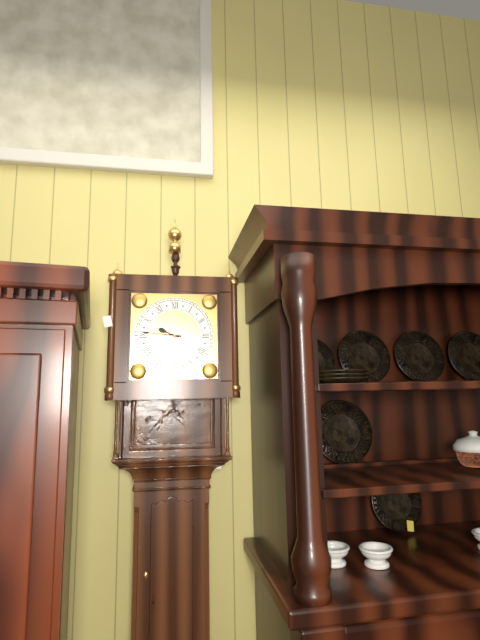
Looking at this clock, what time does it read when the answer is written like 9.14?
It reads 9.46
